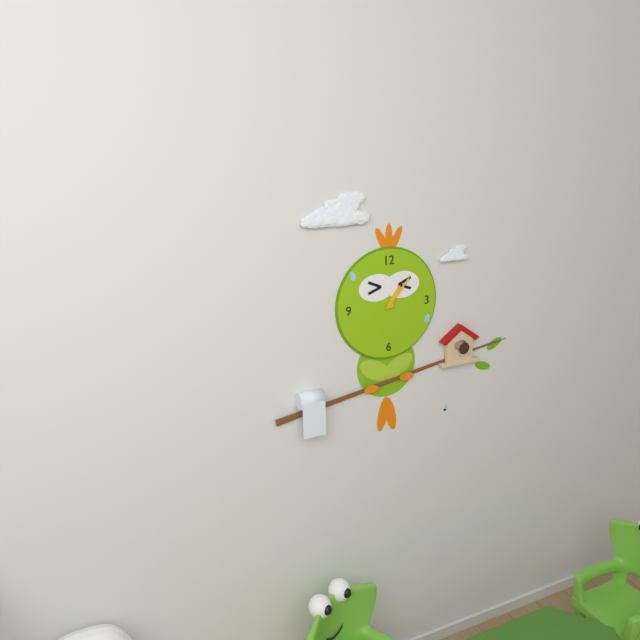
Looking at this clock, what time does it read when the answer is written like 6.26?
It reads 1.07
